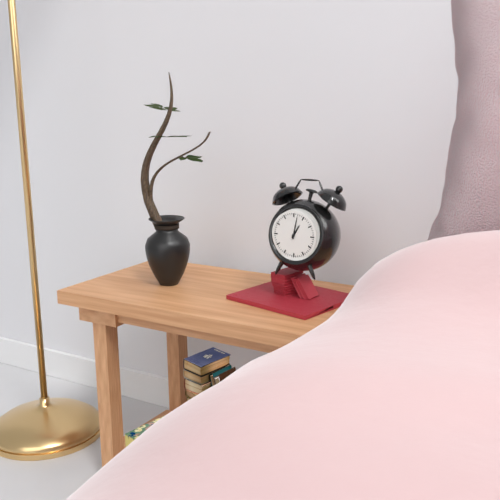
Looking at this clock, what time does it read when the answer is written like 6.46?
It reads 1.02
